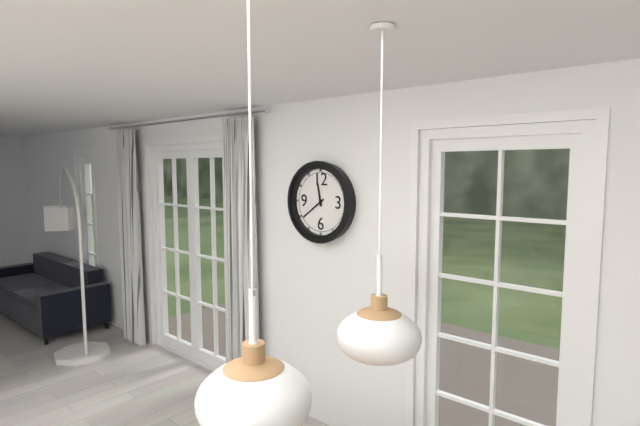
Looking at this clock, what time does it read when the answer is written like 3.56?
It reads 11.39
